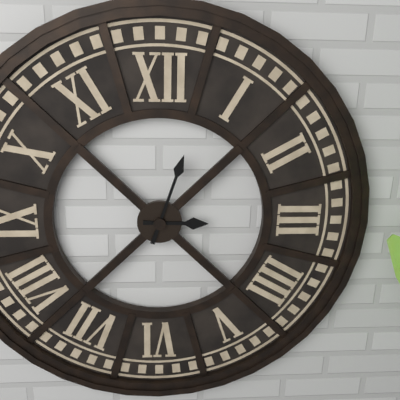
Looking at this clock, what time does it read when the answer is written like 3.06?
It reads 3.03
